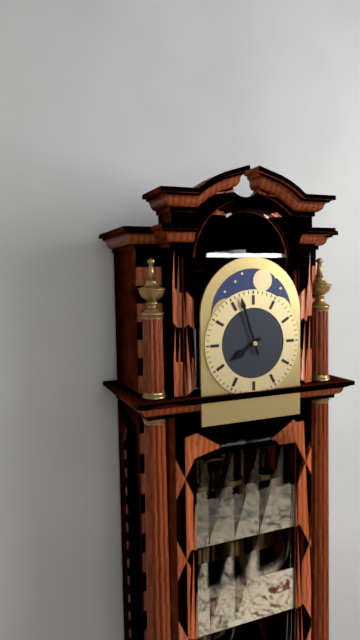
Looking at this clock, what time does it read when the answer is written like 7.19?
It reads 7.57
